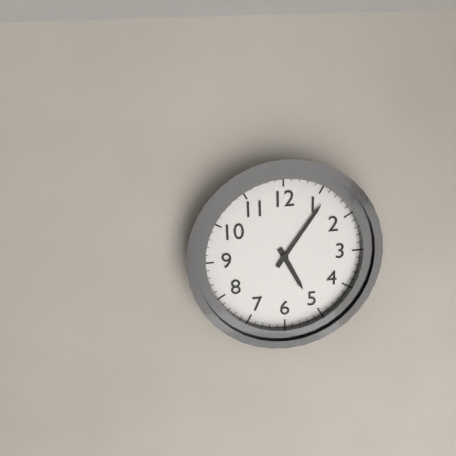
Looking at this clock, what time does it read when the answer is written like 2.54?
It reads 5.06
